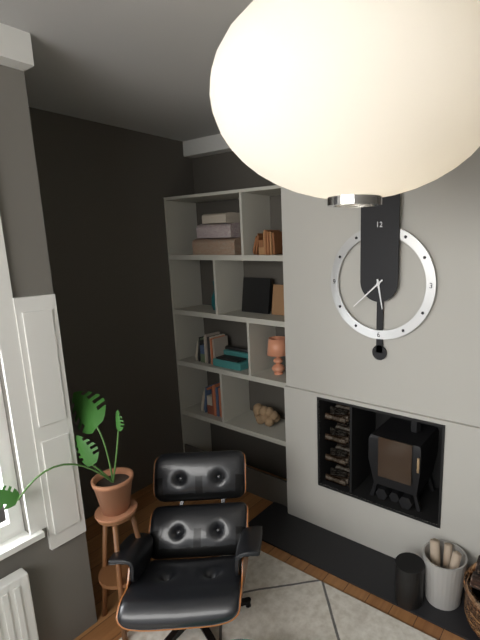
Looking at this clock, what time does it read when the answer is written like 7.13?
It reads 5.38
